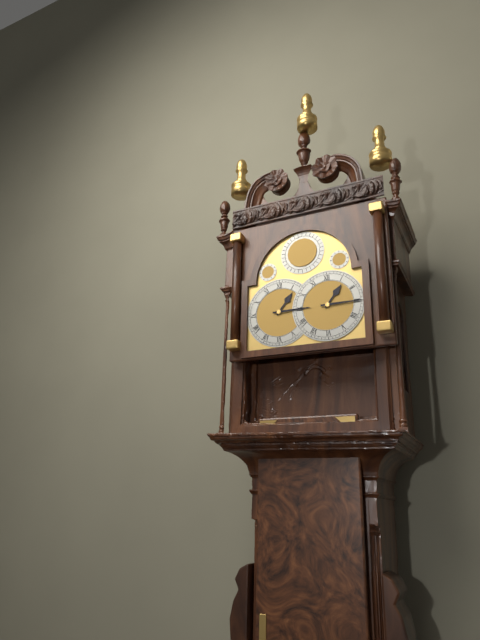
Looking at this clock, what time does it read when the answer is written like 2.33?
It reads 1.15
